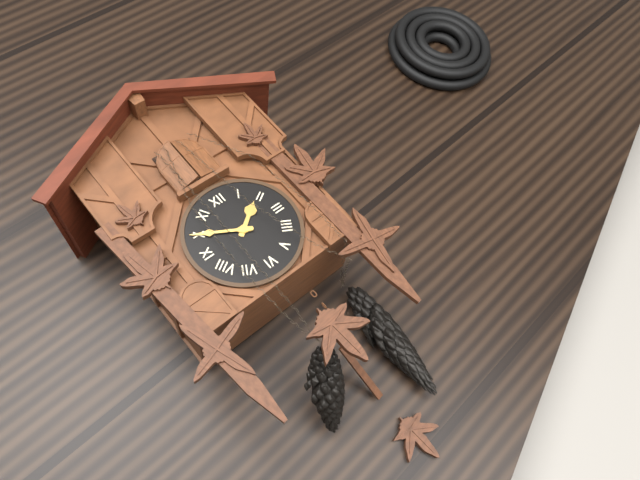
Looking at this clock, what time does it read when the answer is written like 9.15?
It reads 1.50
